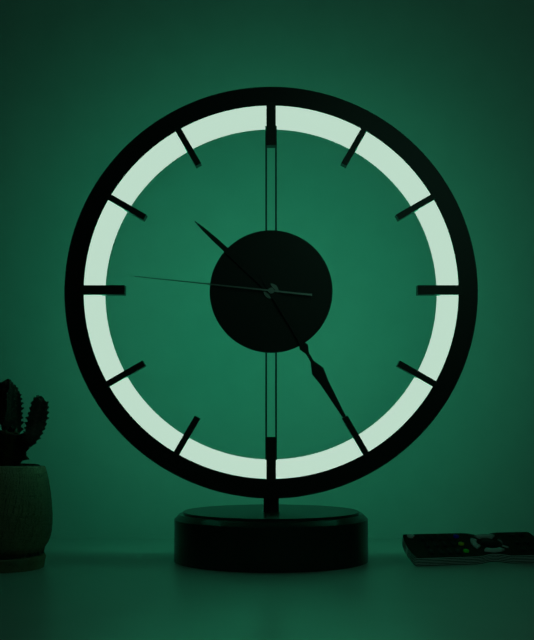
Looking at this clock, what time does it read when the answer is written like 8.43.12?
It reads 10.25.46
